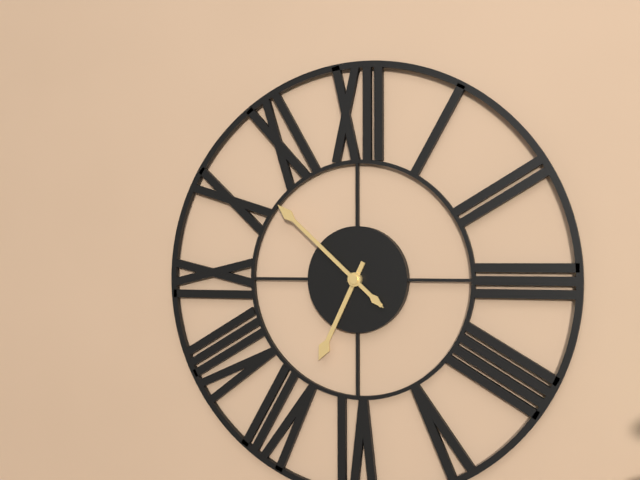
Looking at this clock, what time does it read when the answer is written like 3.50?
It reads 6.52
